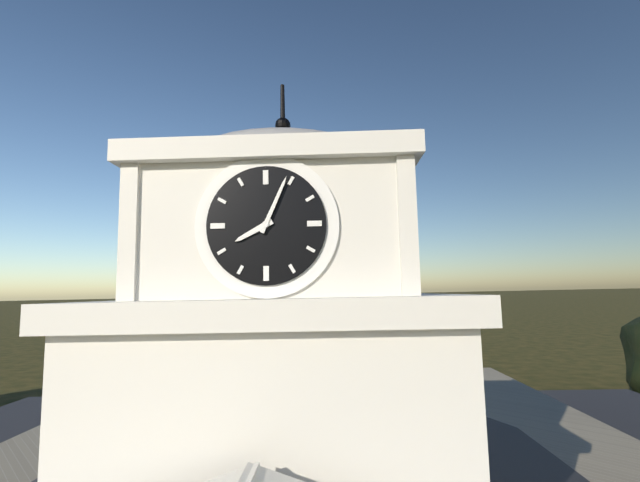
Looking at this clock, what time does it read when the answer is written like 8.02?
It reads 8.04
